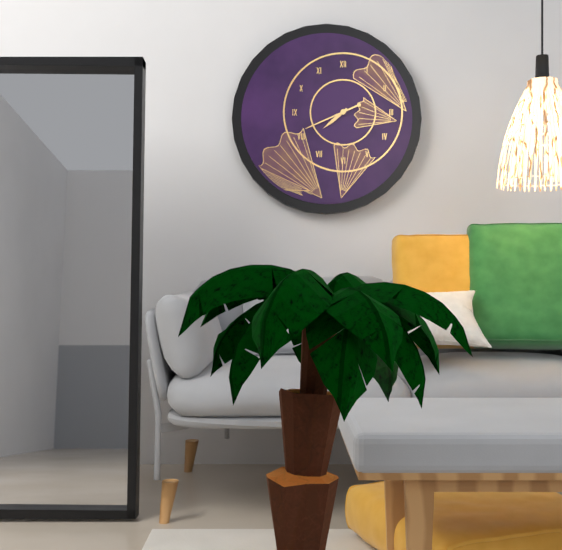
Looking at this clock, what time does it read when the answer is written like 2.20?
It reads 7.41
